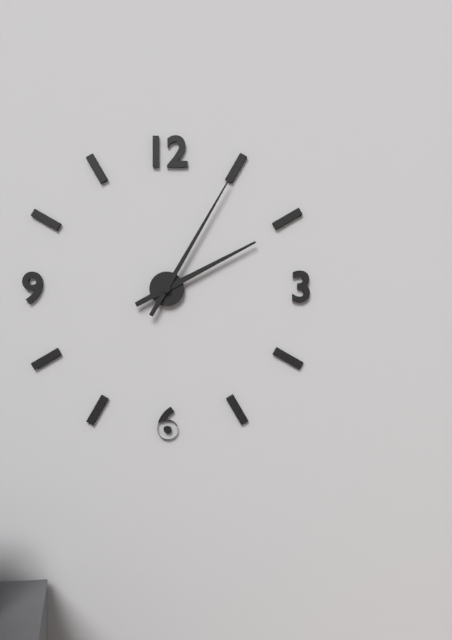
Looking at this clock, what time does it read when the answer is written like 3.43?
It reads 2.05
